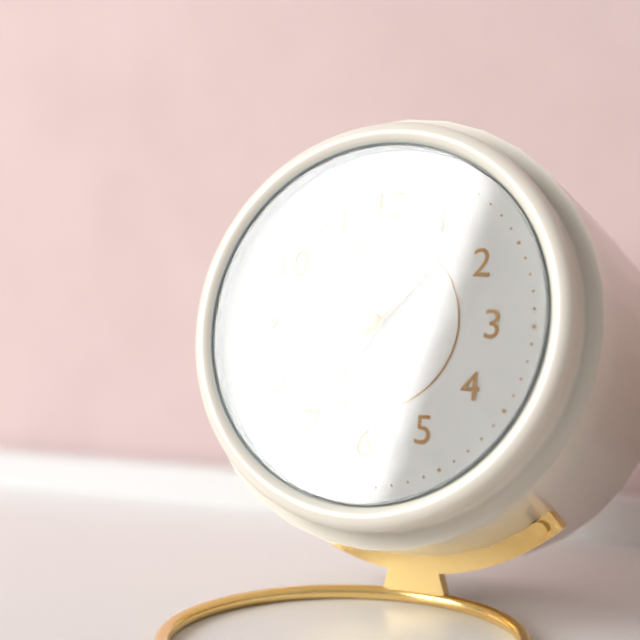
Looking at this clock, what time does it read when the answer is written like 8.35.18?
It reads 7.07.38
